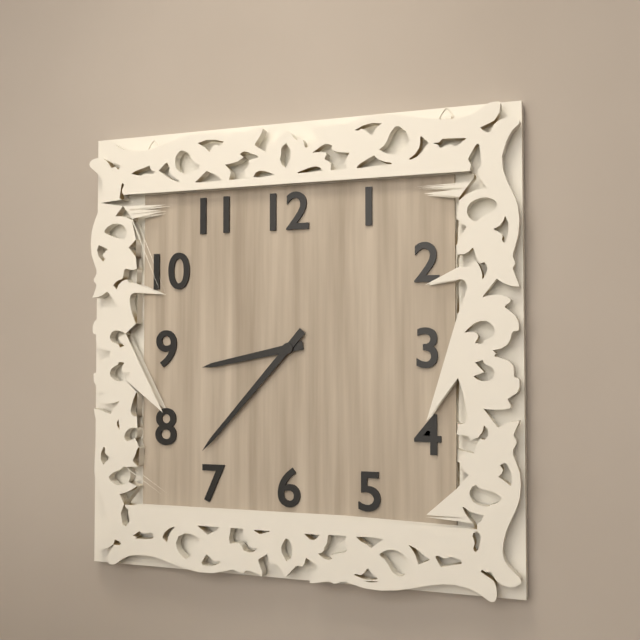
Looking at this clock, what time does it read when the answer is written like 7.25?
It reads 8.37
